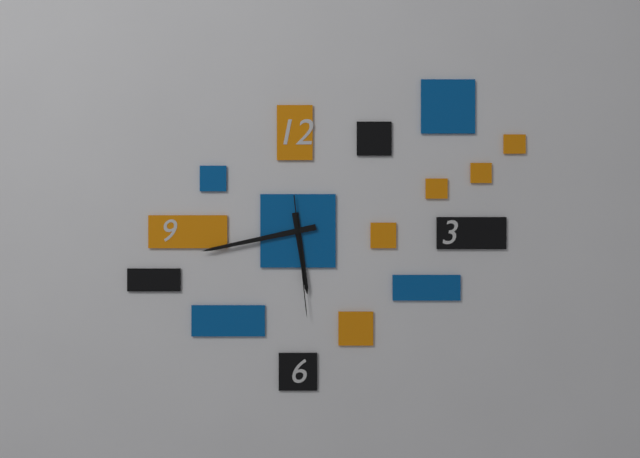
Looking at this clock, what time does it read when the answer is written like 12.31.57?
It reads 5.43.29
